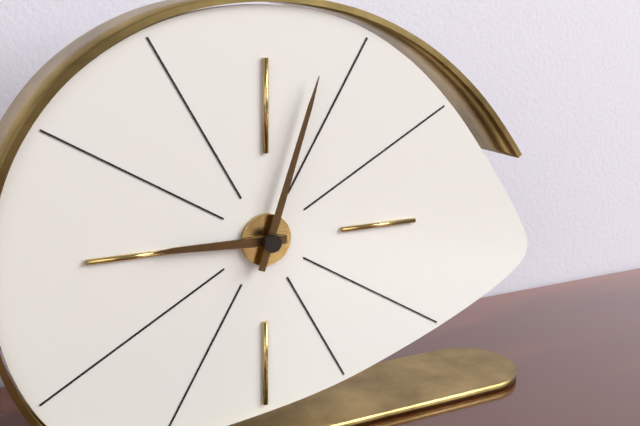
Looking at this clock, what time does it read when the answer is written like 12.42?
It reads 9.03
